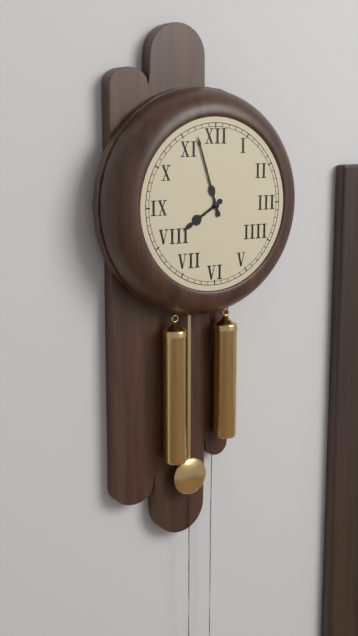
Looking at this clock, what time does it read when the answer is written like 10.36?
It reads 7.57
